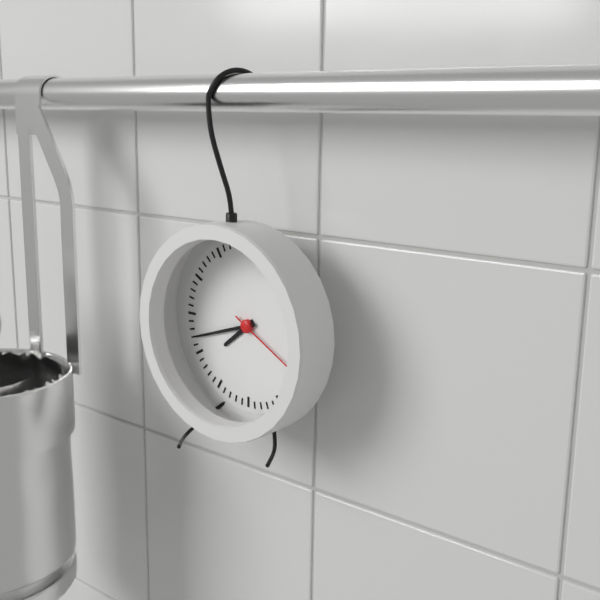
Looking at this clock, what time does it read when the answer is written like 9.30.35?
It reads 7.42.20
